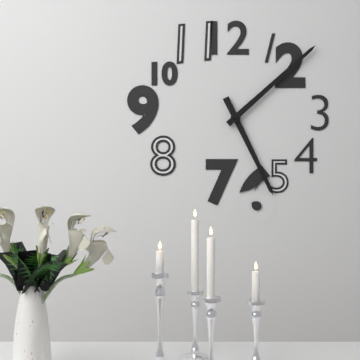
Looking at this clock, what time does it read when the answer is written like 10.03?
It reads 5.08
